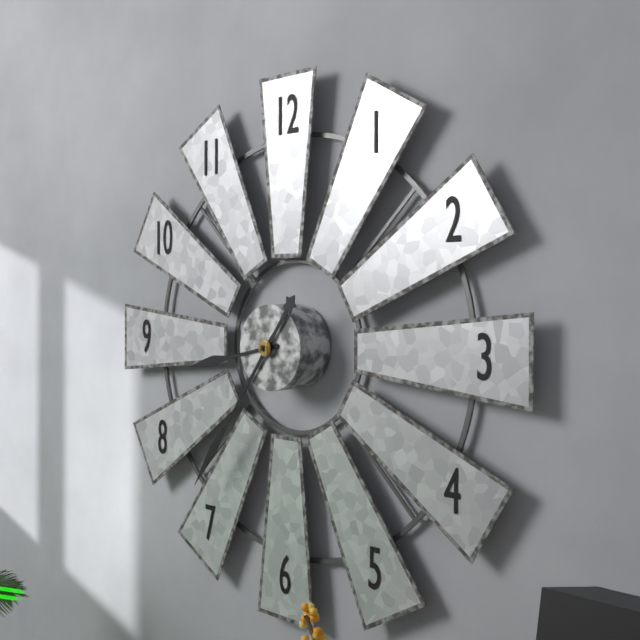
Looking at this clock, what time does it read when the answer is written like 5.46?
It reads 8.36
